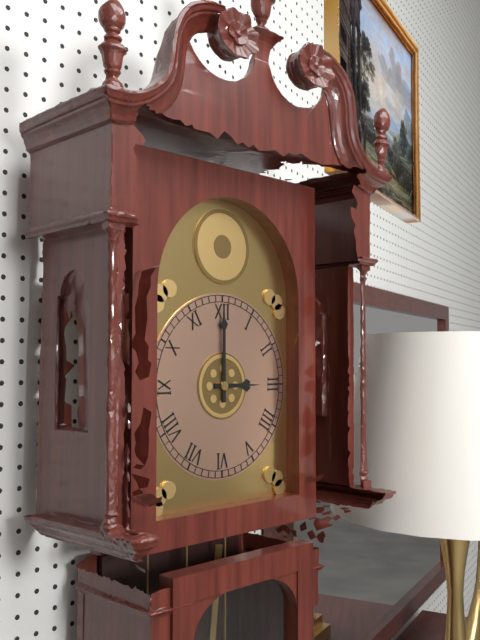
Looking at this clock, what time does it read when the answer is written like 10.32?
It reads 3.00
